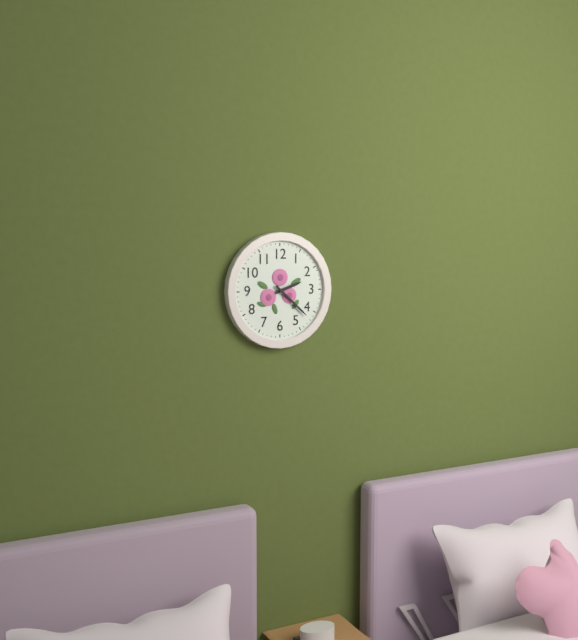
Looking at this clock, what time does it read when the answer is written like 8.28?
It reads 2.22
